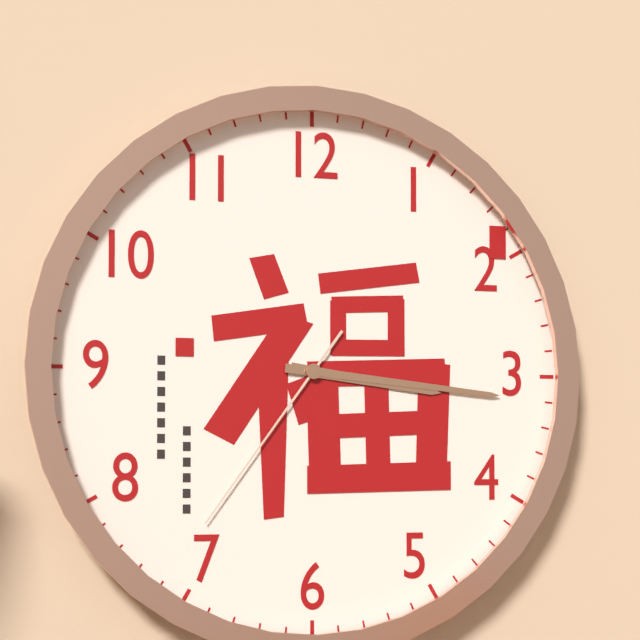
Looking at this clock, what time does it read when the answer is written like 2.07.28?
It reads 3.16.36
